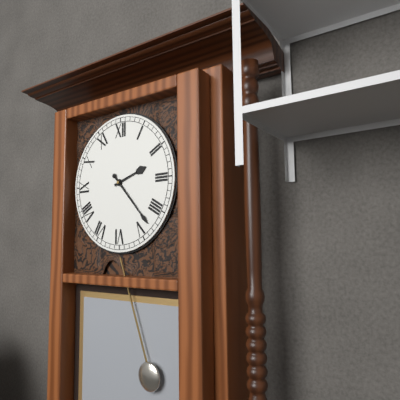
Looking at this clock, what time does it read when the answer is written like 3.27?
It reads 2.23
